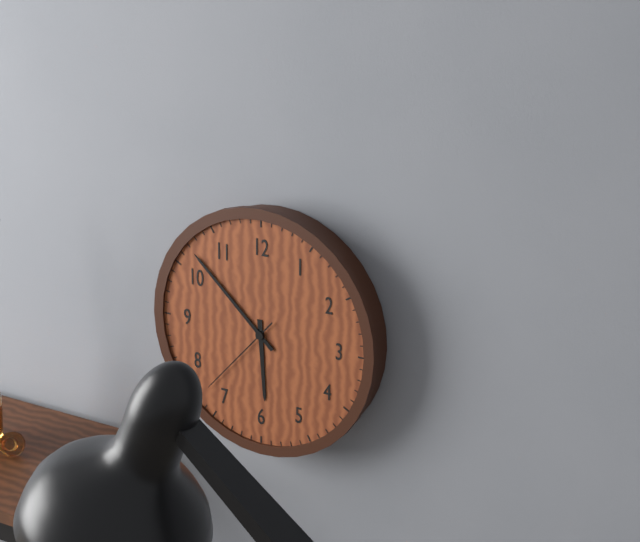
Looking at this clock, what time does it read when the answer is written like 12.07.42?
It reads 5.52.37
